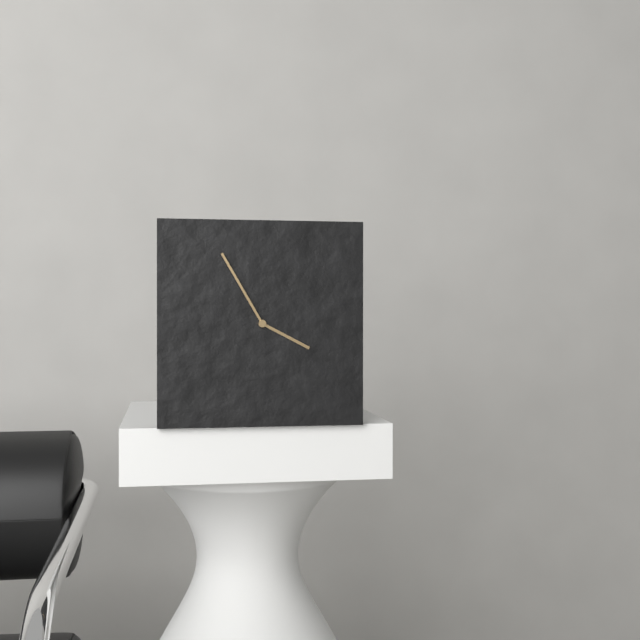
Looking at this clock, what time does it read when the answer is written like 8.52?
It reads 3.55
